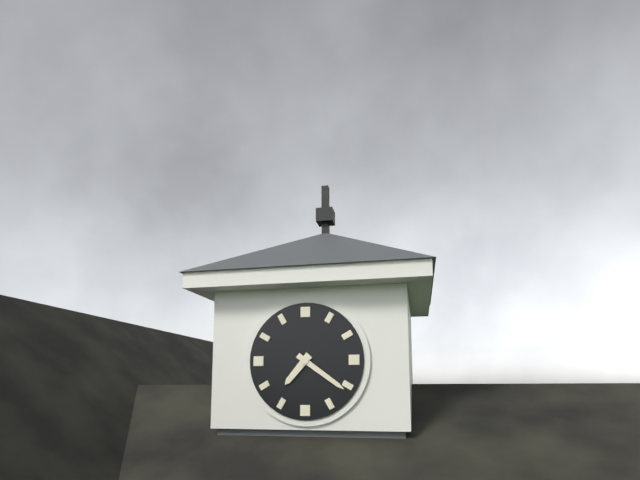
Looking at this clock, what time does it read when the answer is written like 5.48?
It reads 7.21
